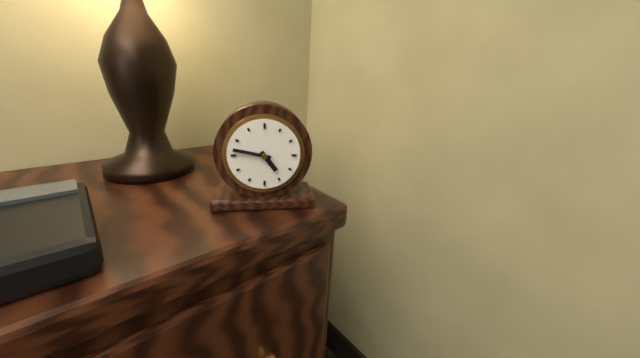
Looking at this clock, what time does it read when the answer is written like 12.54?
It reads 4.47
